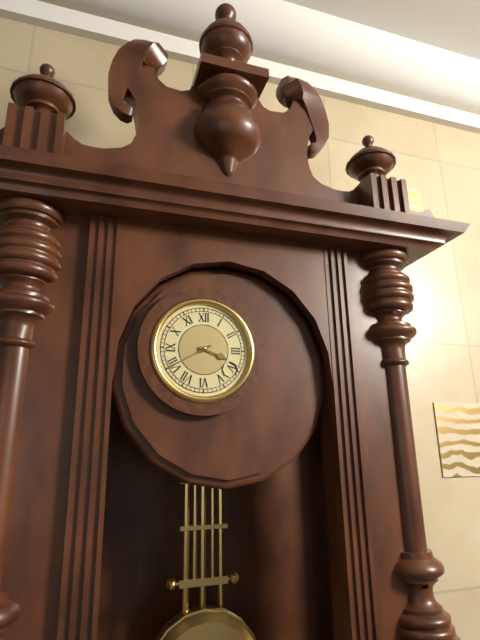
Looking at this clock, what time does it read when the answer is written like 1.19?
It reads 3.40
